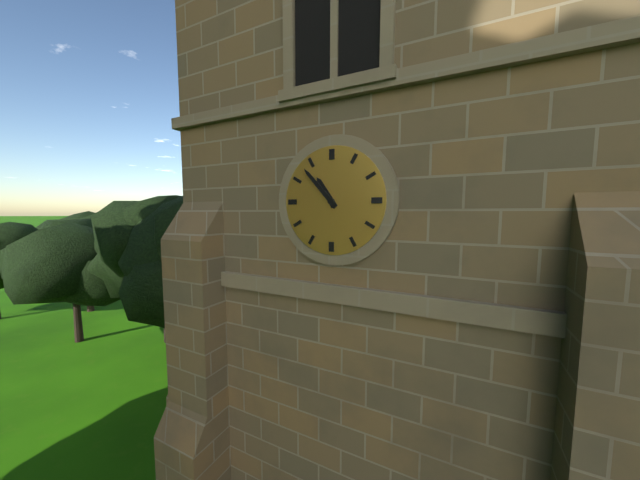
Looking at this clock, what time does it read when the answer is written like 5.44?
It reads 10.53
